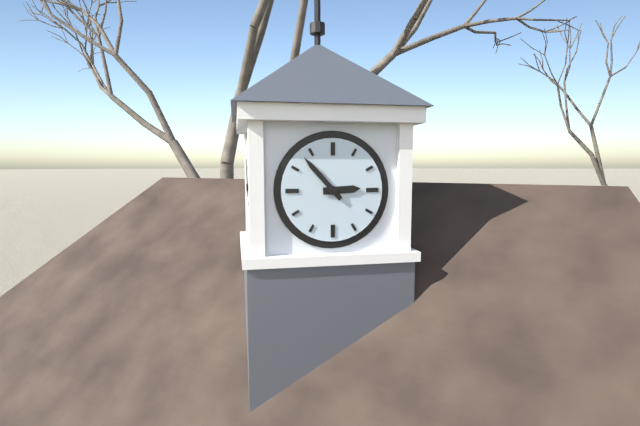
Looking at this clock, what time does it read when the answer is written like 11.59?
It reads 2.53
